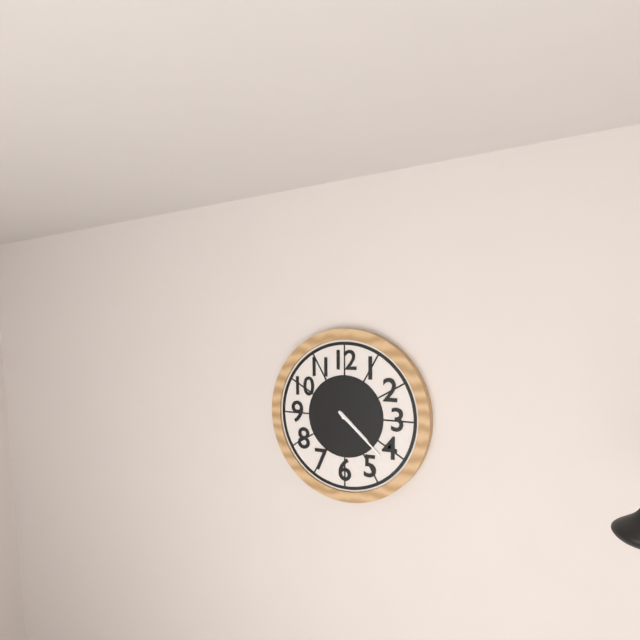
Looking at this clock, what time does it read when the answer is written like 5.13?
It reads 4.22
